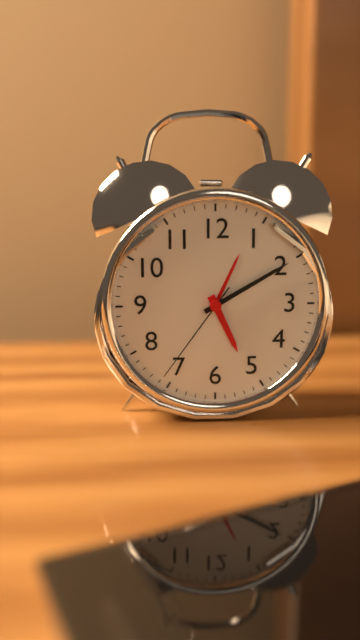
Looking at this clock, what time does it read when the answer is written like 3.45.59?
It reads 5.10.36
